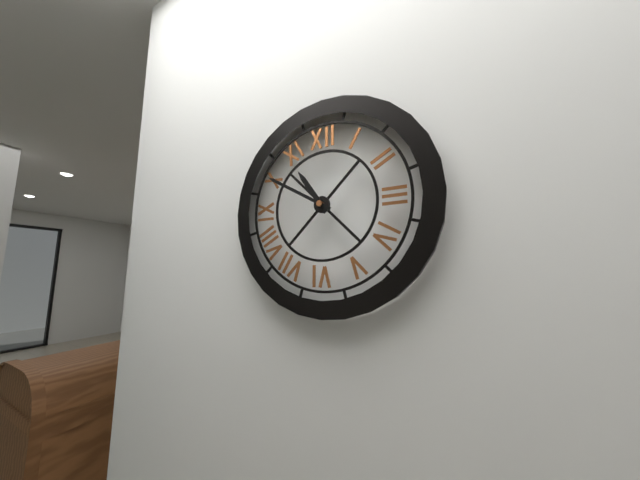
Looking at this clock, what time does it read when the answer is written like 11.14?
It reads 10.50
